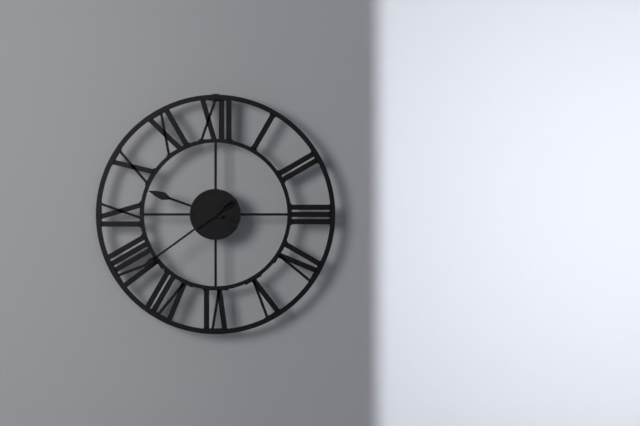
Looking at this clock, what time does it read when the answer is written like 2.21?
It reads 9.39
